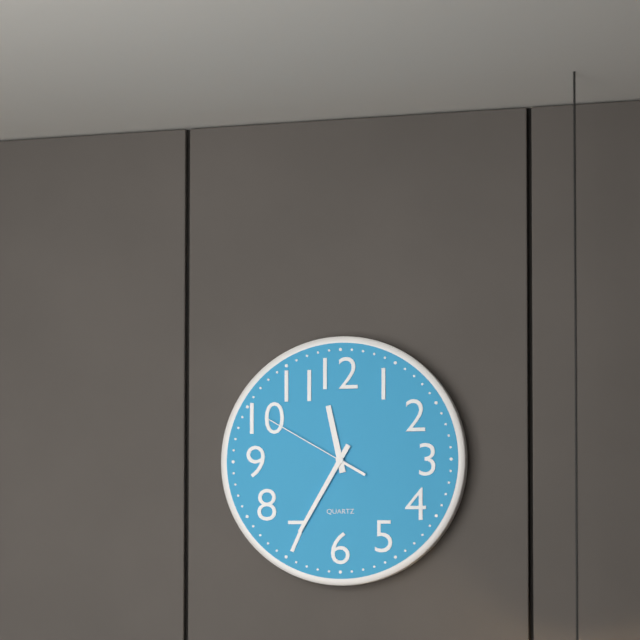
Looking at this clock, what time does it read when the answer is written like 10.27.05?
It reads 11.35.50
